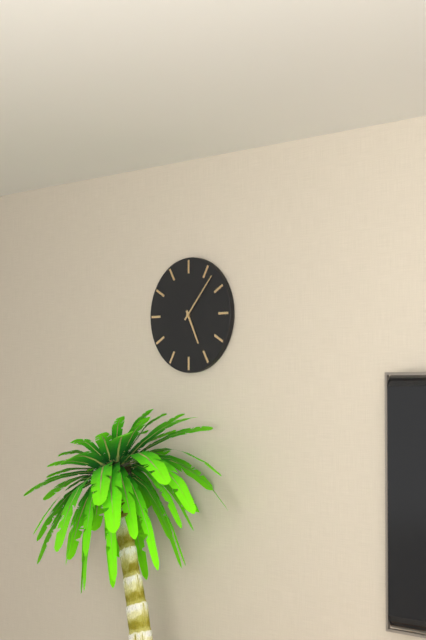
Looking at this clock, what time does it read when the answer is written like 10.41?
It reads 5.07
